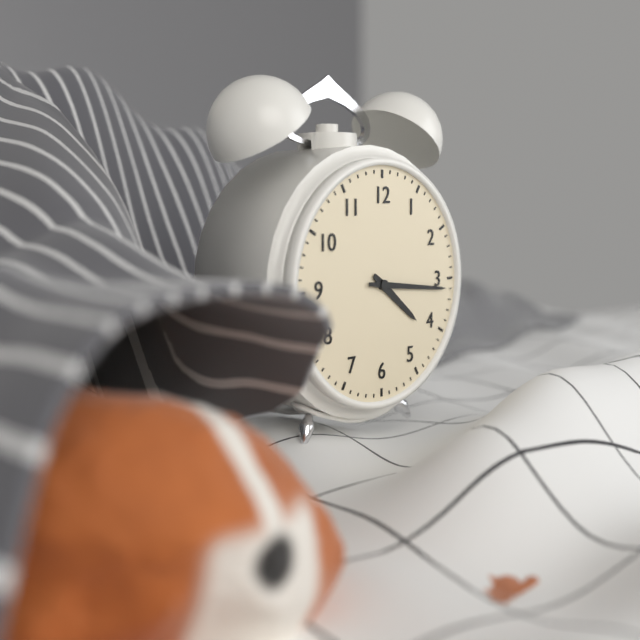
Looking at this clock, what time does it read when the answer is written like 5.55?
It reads 4.16
